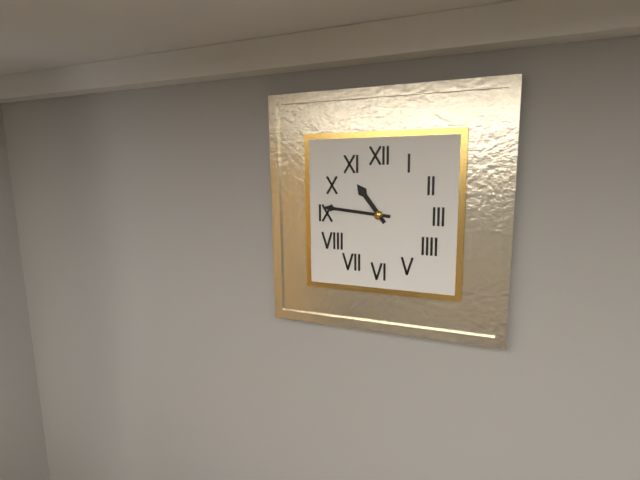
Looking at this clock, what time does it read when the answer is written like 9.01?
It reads 10.46
